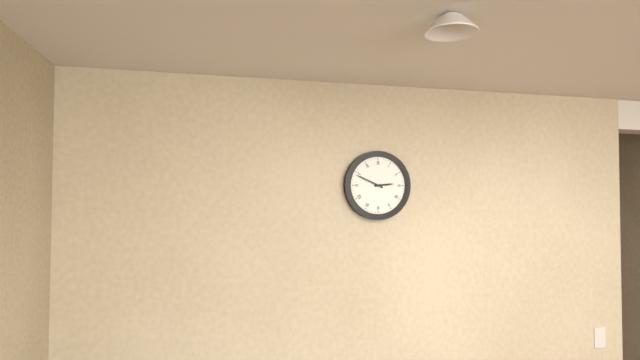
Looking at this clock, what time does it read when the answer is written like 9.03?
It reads 2.49
